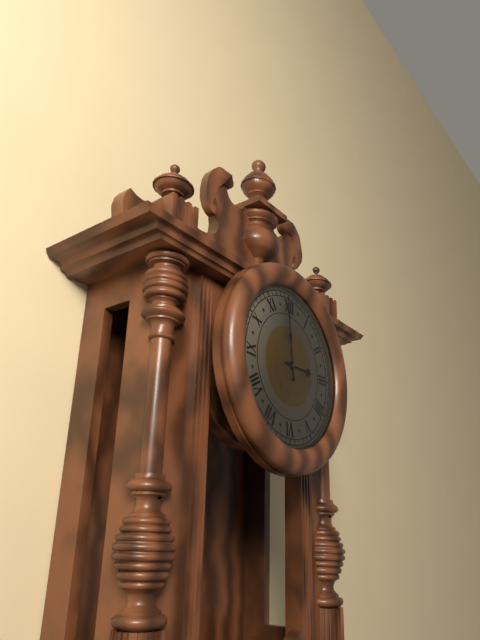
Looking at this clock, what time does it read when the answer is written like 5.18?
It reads 2.59
